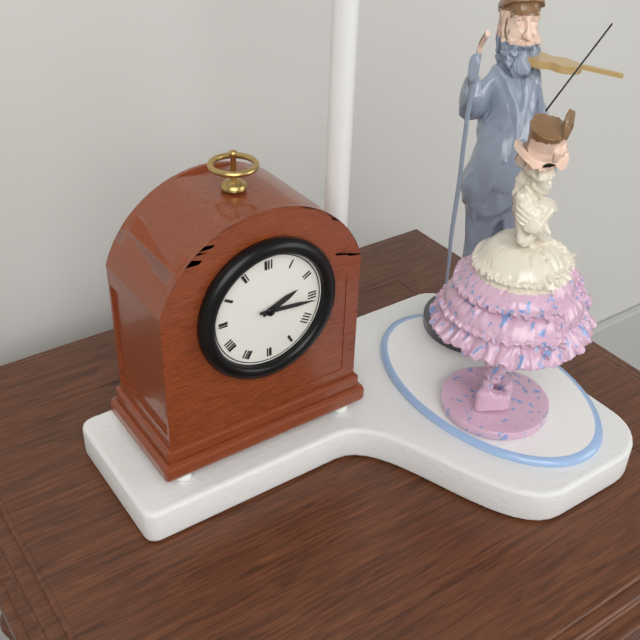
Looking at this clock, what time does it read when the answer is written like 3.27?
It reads 2.16
